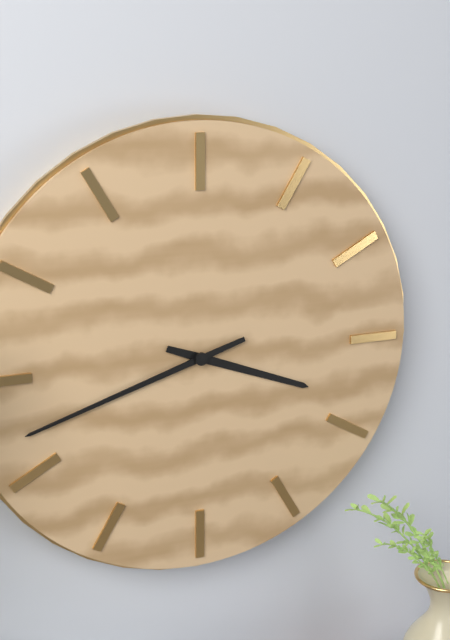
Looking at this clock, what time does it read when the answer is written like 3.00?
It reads 3.42
